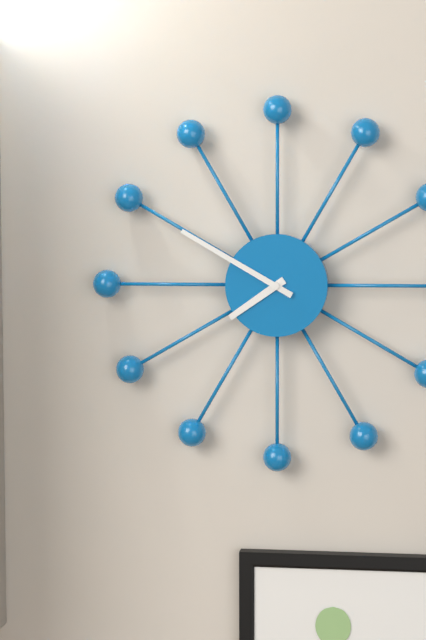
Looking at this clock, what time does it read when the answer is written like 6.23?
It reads 7.50
